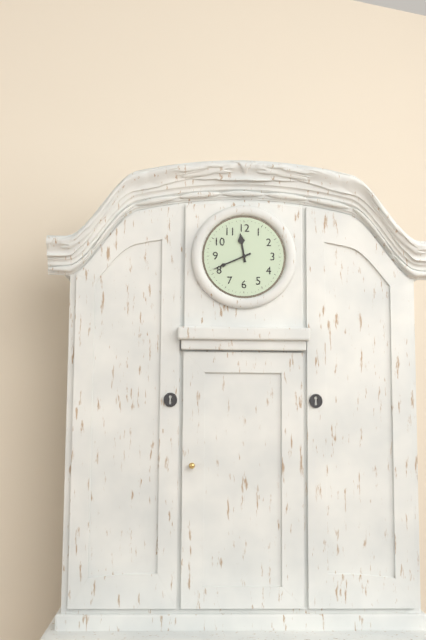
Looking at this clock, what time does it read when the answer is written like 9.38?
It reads 11.41
